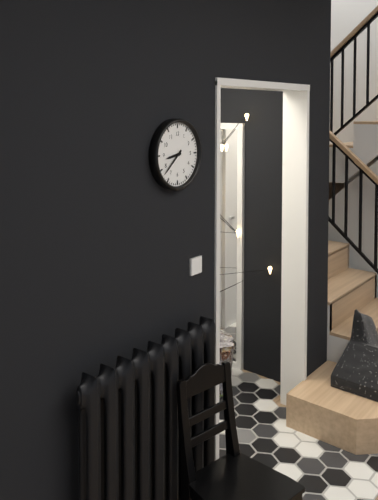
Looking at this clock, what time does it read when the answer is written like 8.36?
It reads 8.38
